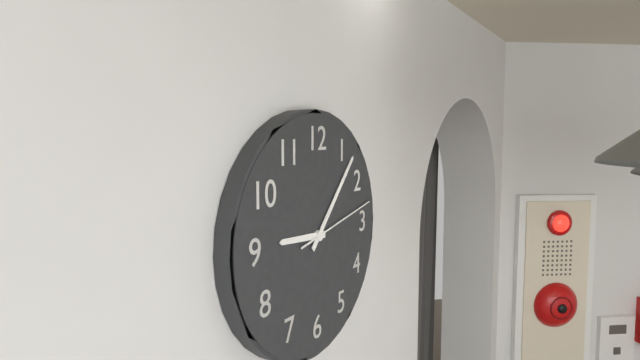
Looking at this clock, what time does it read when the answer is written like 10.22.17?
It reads 9.07.13
